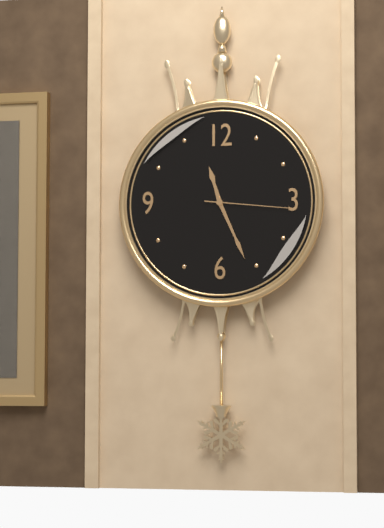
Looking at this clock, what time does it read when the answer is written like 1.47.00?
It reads 11.26.16
